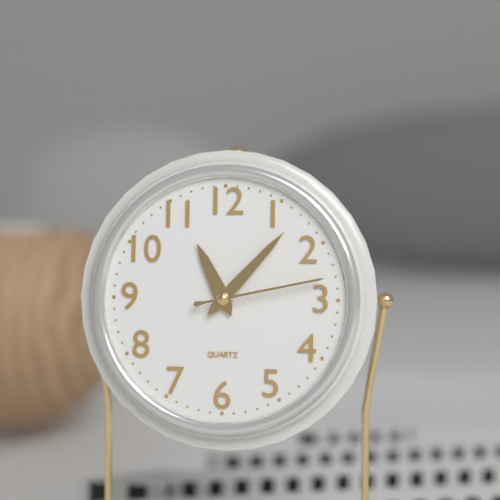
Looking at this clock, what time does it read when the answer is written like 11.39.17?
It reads 11.07.13
